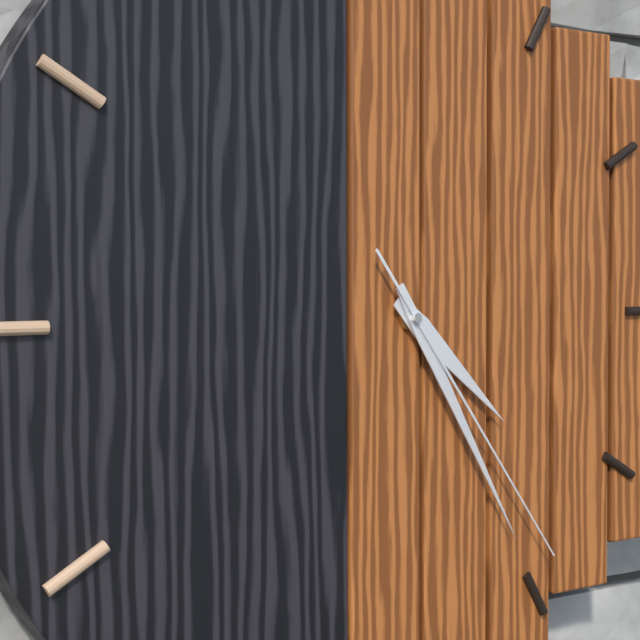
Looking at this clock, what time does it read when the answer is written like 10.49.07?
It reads 4.25.24
